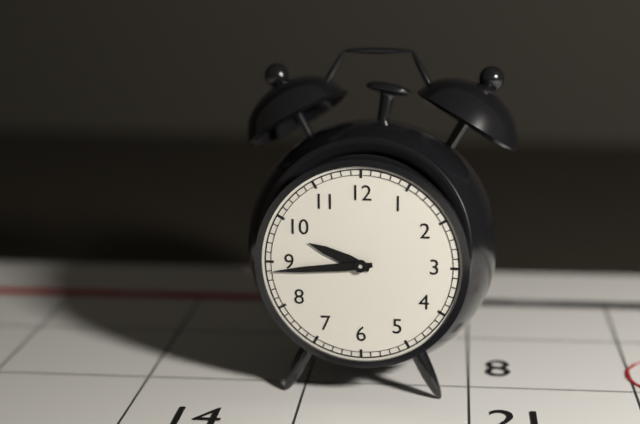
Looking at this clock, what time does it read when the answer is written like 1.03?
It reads 9.44
